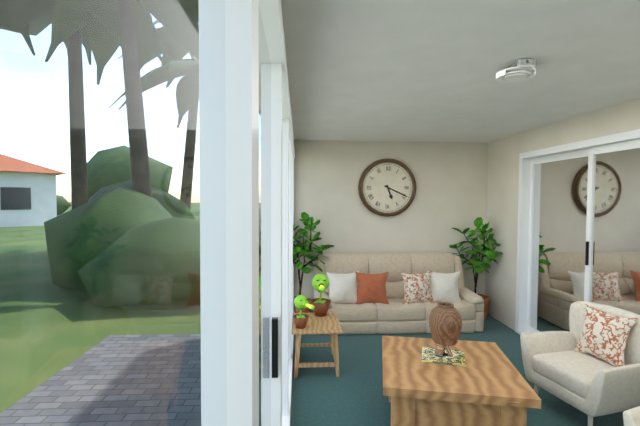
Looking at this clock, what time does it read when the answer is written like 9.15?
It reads 5.19
